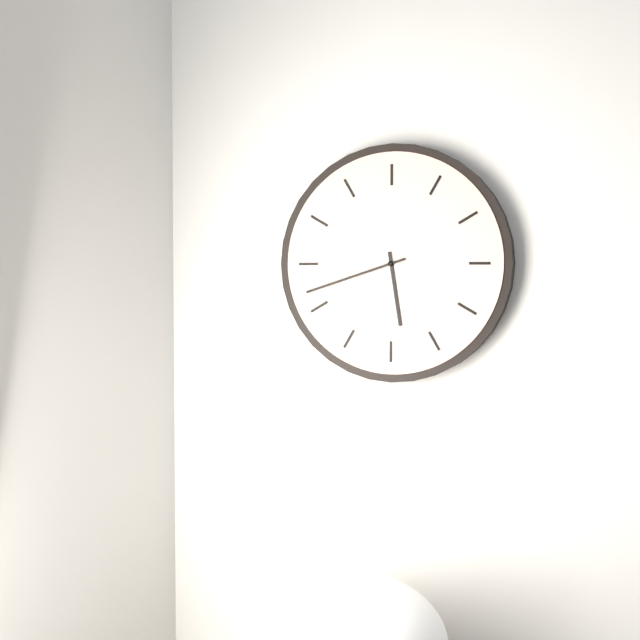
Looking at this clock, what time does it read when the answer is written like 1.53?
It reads 5.42
